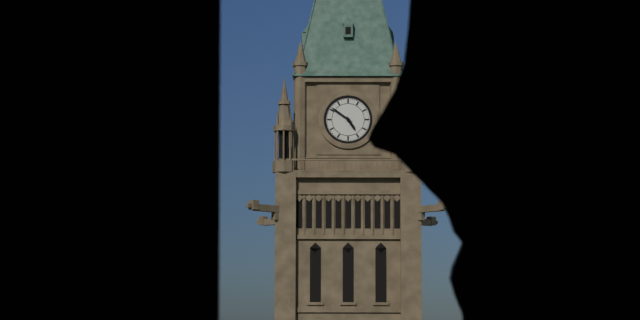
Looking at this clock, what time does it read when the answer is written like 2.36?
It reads 4.51
